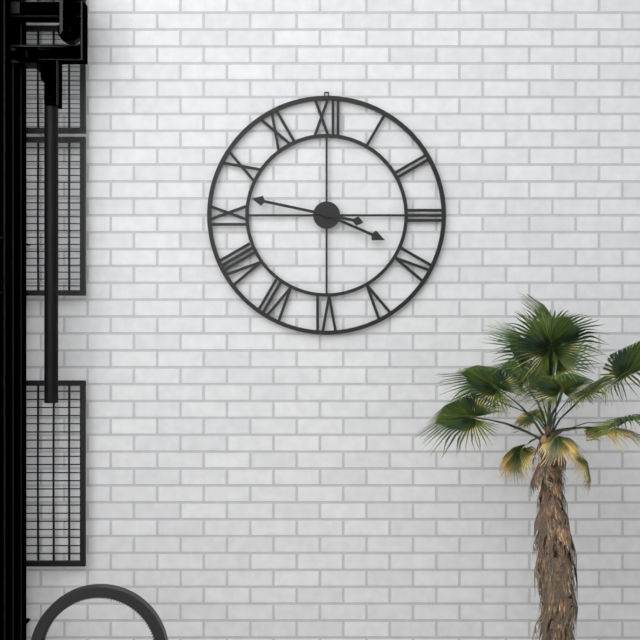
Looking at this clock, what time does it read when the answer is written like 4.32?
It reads 3.47
